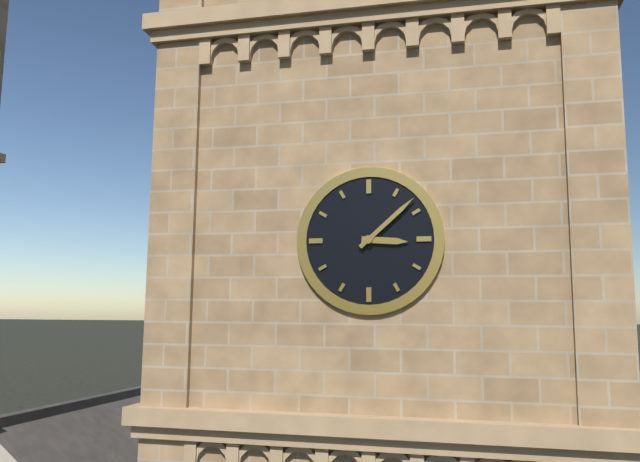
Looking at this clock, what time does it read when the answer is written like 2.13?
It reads 3.08
